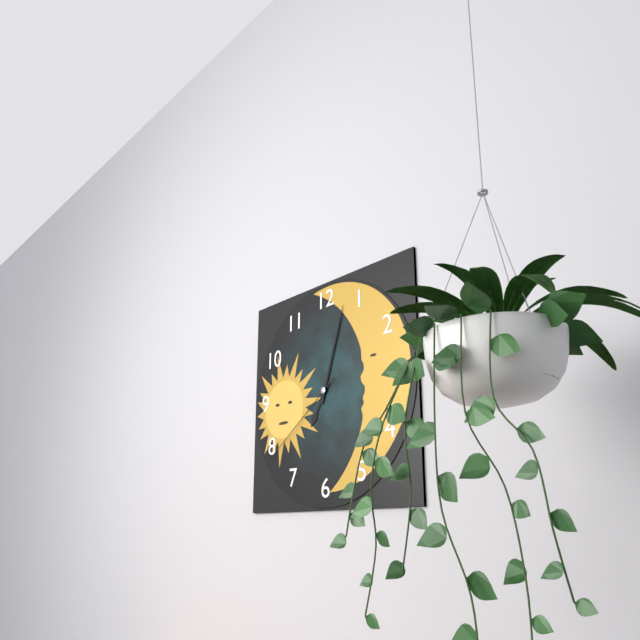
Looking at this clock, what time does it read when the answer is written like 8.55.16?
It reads 7.03.39
